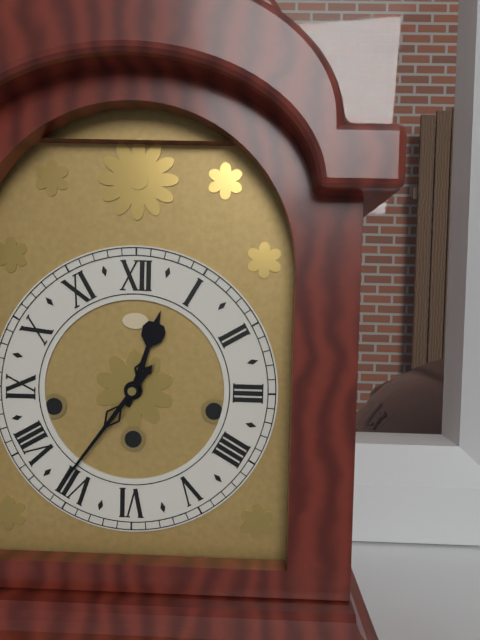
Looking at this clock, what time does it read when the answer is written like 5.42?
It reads 12.36
